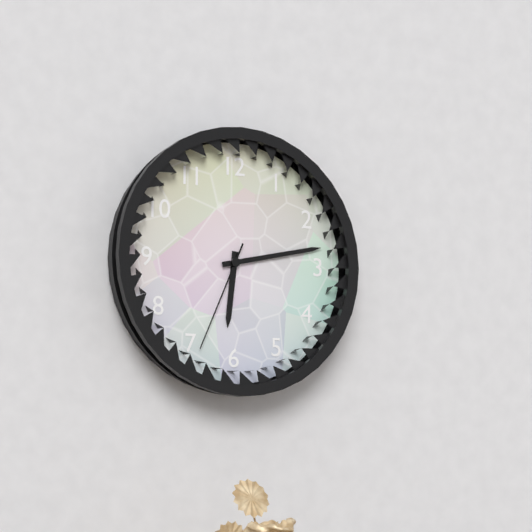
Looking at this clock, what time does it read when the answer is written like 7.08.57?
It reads 6.13.34
